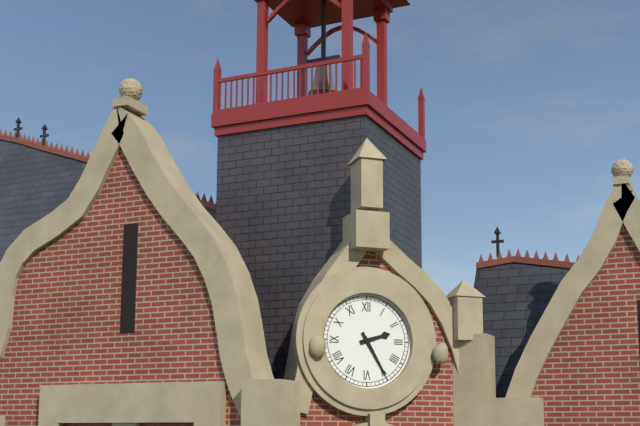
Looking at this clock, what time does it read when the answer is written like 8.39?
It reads 2.25
